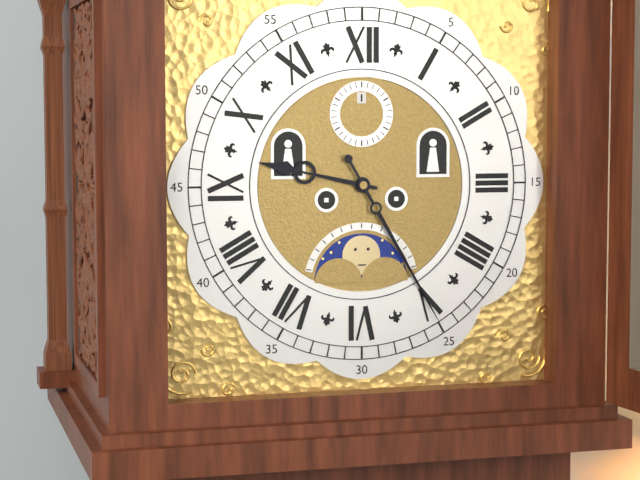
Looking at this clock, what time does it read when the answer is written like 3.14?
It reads 9.25
